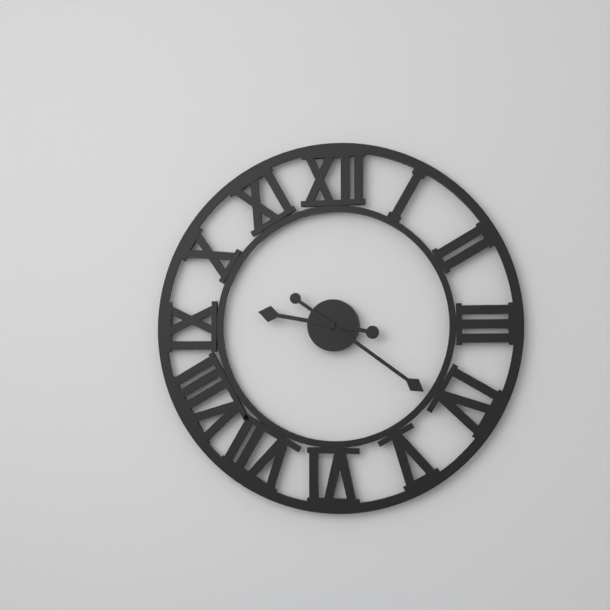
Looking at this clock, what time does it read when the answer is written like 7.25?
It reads 9.21
